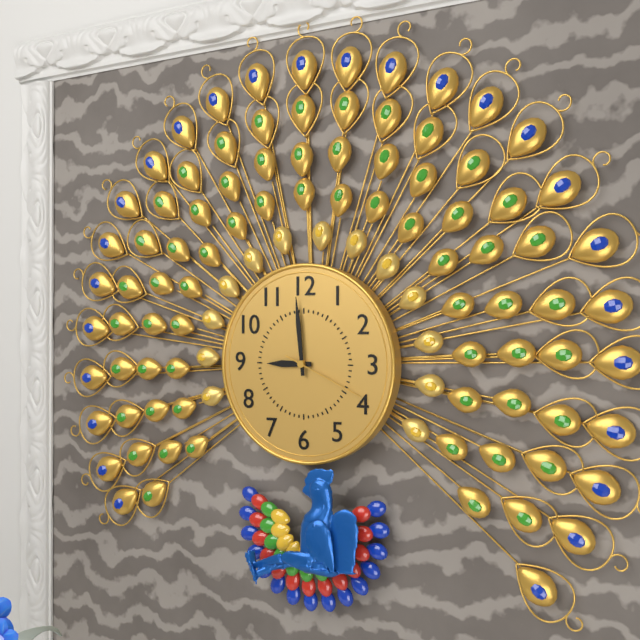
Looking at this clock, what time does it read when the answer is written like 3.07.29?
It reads 8.59.19
